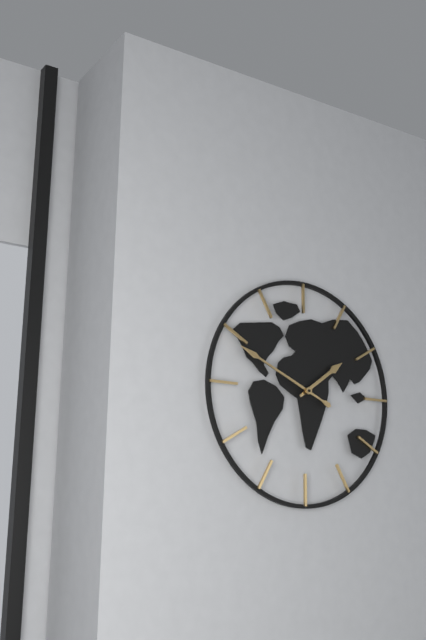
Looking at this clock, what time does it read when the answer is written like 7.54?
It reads 1.49
